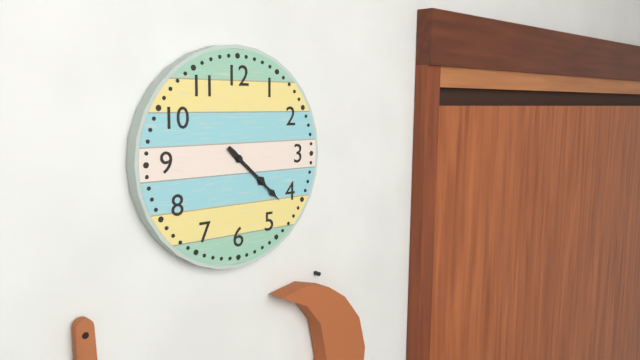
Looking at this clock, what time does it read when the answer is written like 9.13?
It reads 4.22
